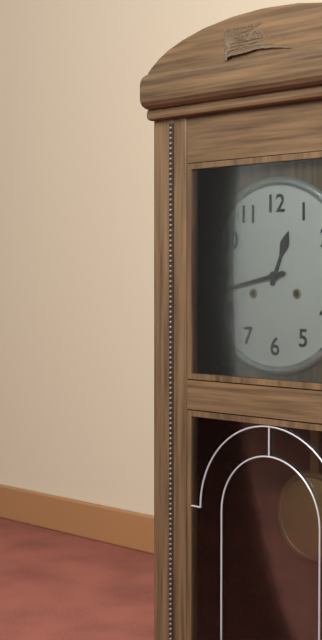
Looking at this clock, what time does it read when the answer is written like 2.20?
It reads 12.43
